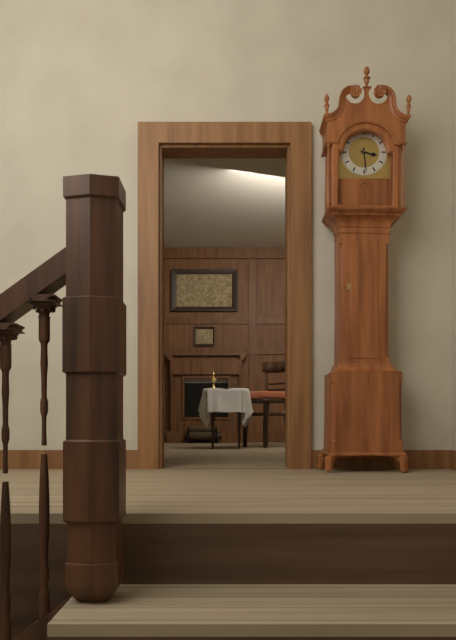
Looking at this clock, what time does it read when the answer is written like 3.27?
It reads 3.29
